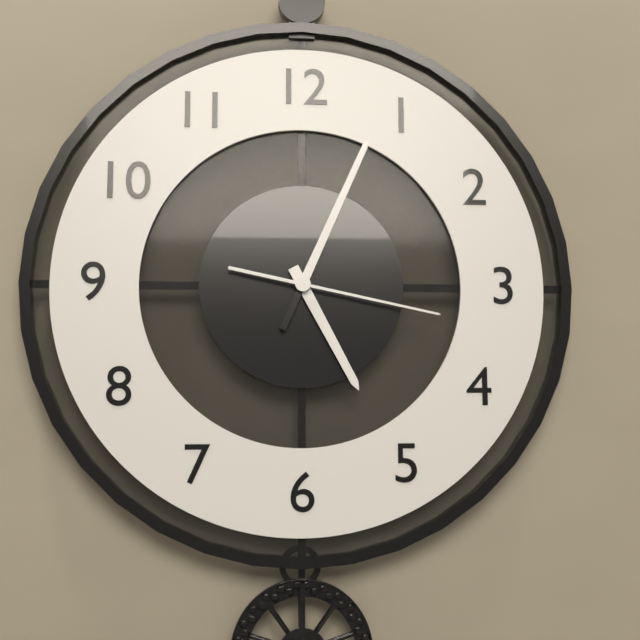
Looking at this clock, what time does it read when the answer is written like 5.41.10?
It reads 5.04.17
